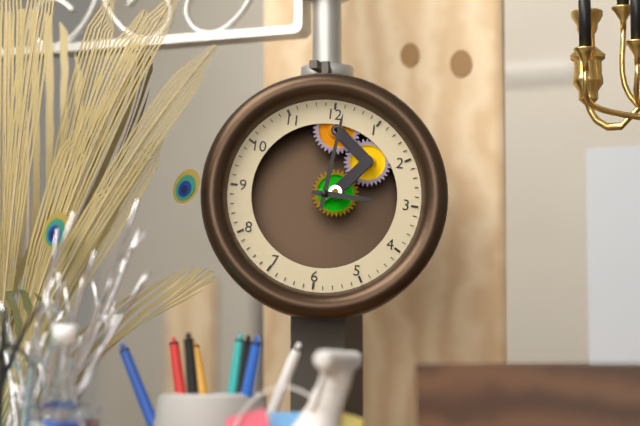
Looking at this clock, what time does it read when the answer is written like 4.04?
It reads 3.01
